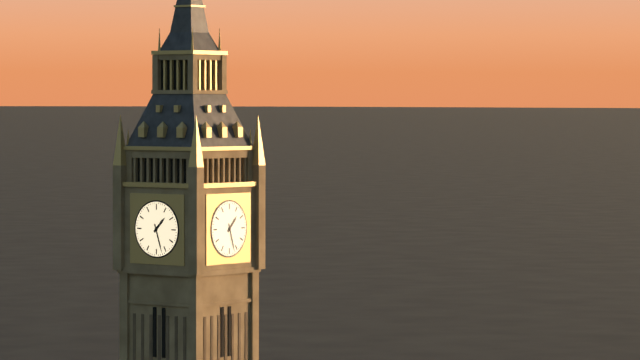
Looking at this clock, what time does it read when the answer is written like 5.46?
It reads 1.27
